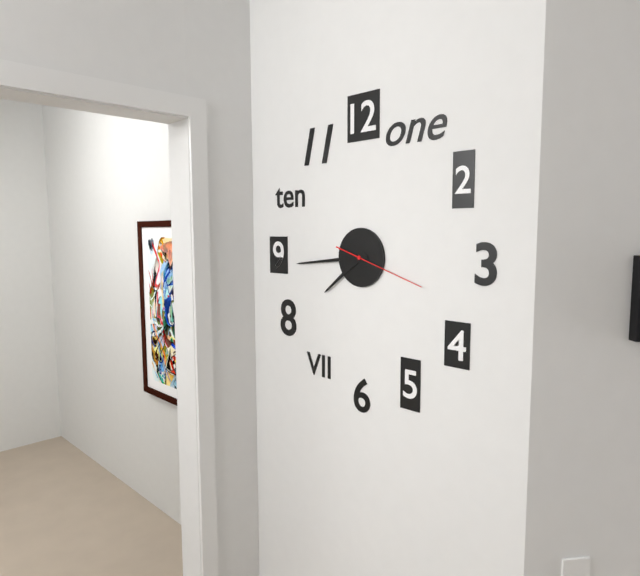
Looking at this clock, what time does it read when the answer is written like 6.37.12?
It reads 7.44.18
